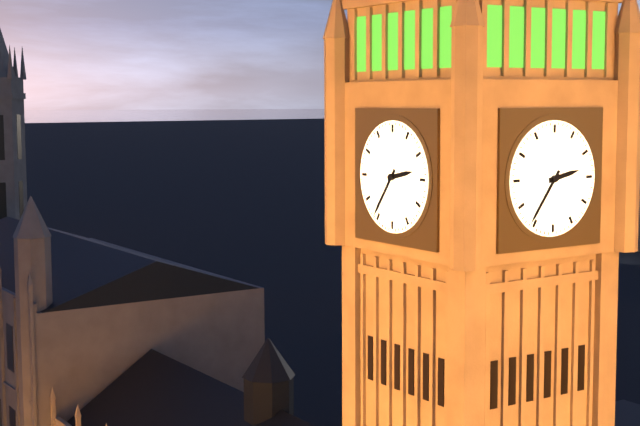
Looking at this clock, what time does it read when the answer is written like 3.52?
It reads 2.36
